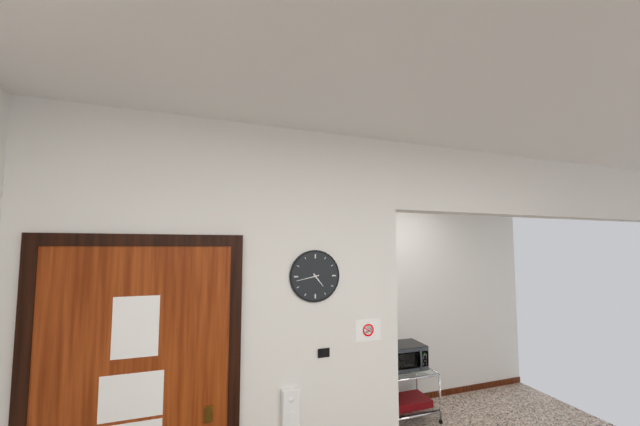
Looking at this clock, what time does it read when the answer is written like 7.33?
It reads 4.43
